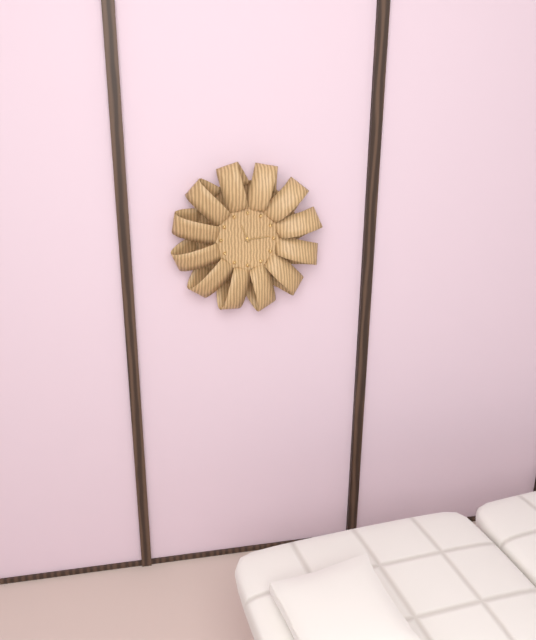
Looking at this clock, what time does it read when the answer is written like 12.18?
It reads 11.14
